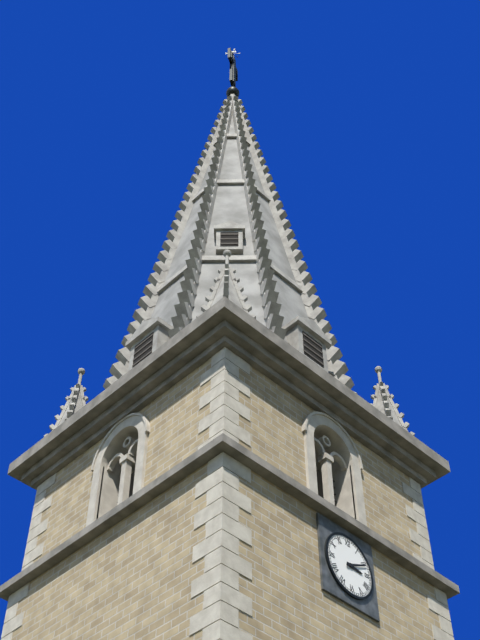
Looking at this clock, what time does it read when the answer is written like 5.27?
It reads 3.11
